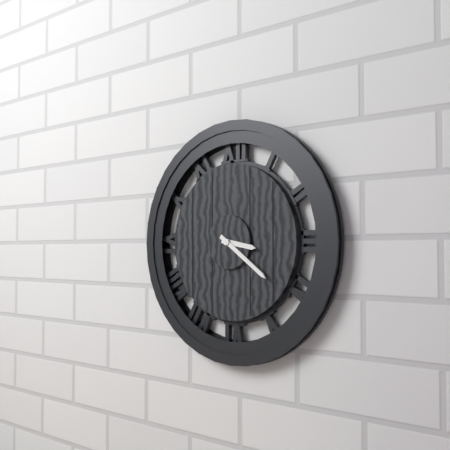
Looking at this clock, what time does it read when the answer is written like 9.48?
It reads 3.21
